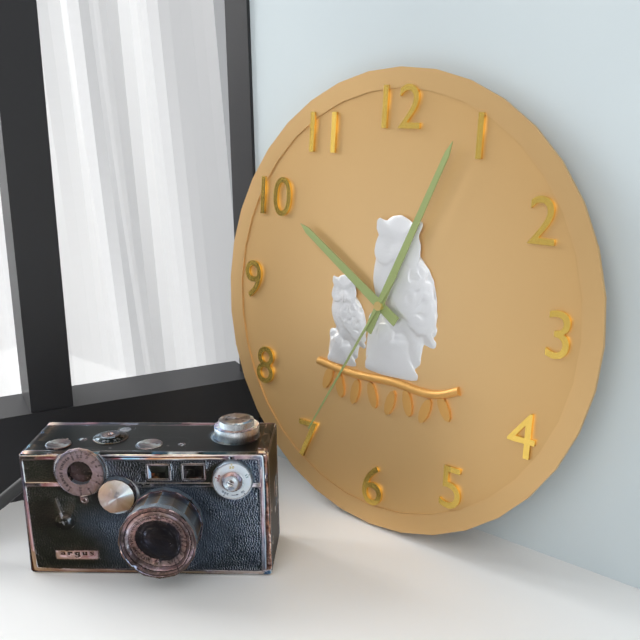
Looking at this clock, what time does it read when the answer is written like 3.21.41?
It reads 10.04.35
